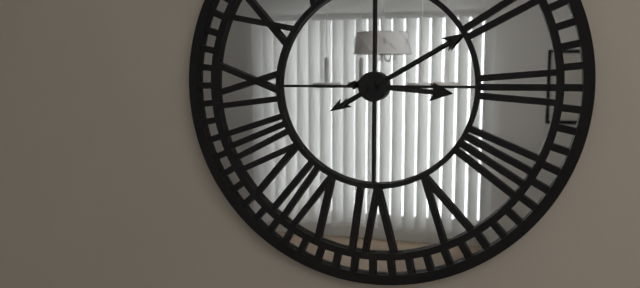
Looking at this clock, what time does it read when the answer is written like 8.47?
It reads 3.10
